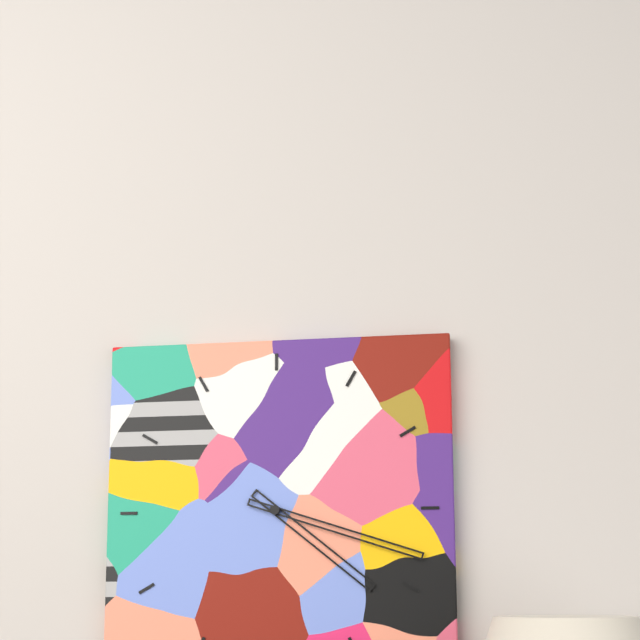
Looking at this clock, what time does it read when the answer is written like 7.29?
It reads 4.18
